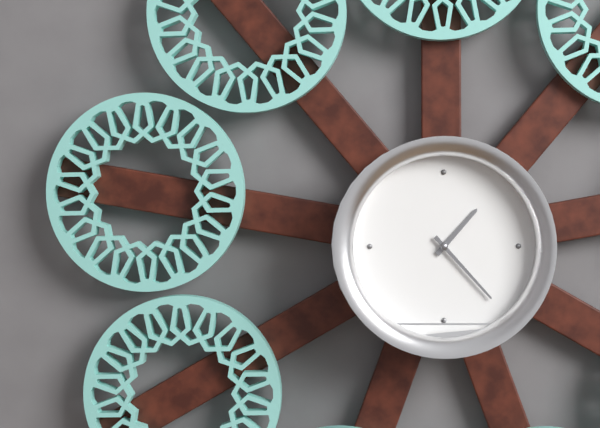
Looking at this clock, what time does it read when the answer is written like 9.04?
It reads 1.23
